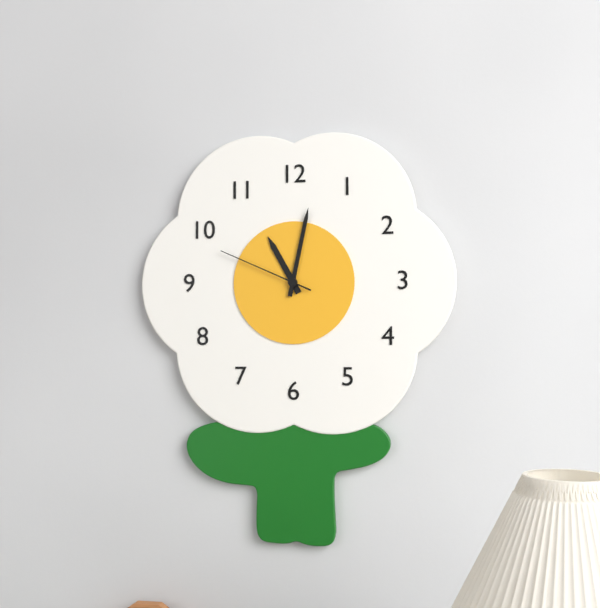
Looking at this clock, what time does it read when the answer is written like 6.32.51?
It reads 11.02.49
